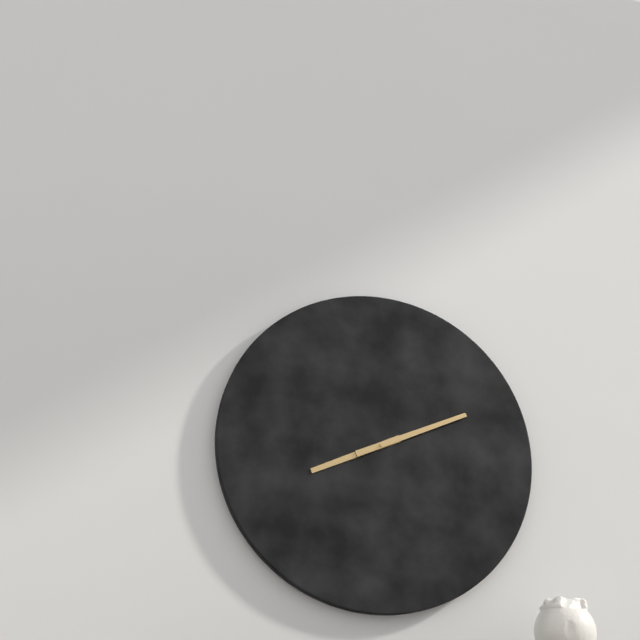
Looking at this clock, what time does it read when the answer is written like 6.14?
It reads 8.11
